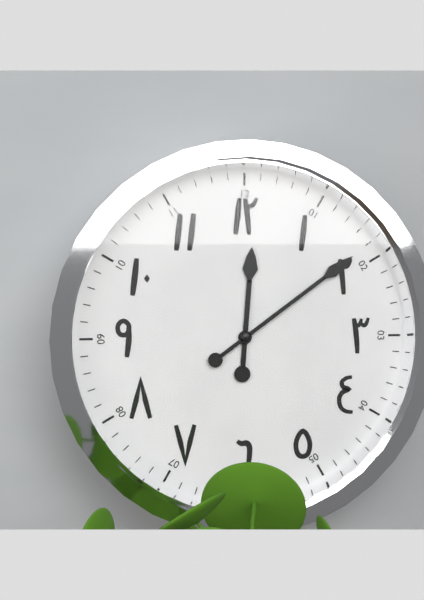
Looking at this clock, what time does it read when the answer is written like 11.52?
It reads 12.09
